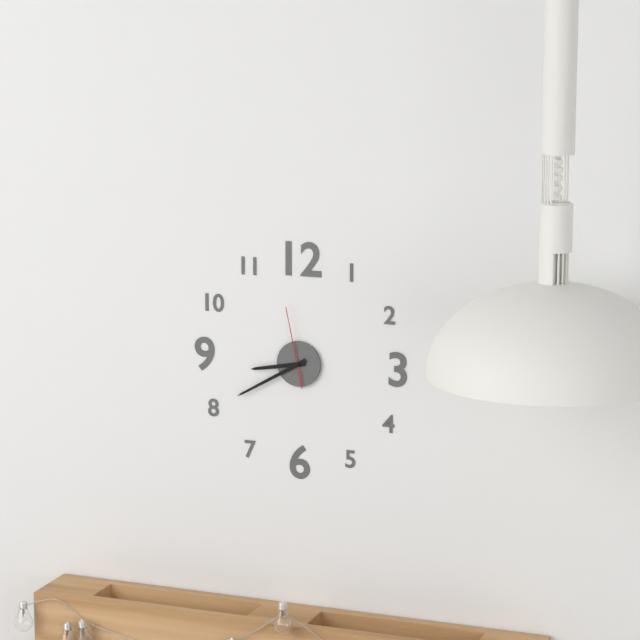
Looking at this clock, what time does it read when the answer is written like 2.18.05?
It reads 8.40.58
